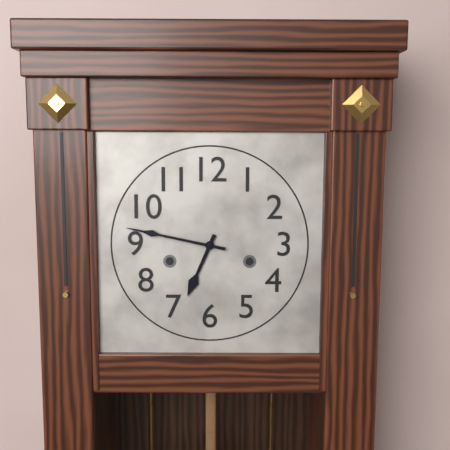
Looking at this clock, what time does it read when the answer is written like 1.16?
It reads 6.47
